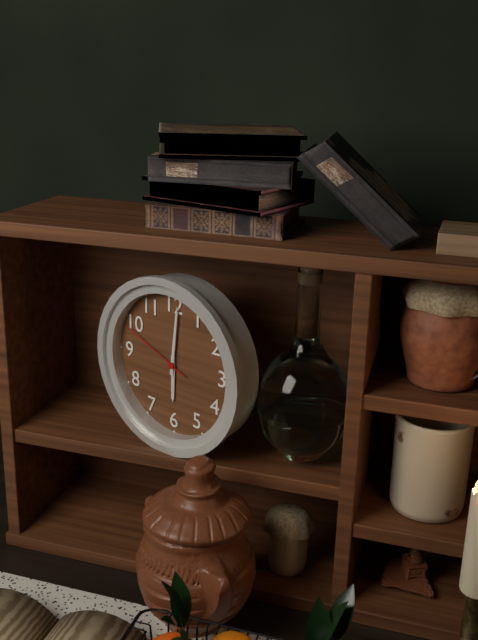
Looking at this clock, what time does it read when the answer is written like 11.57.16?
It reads 6.01.49
